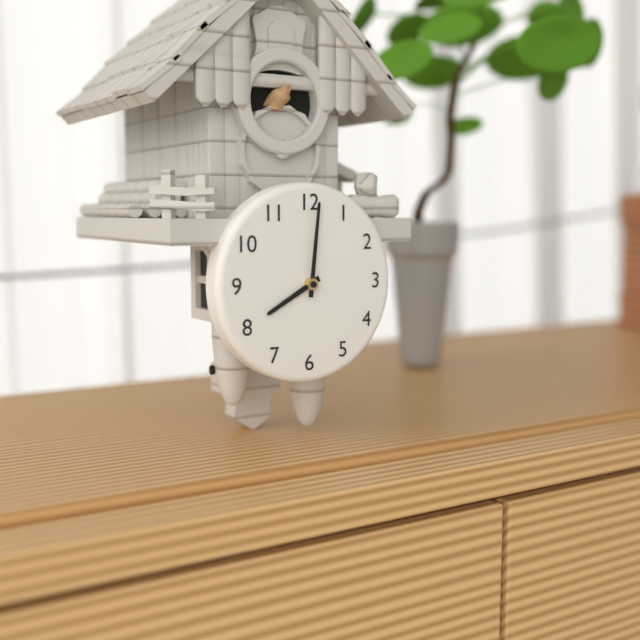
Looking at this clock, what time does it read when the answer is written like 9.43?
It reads 8.01
